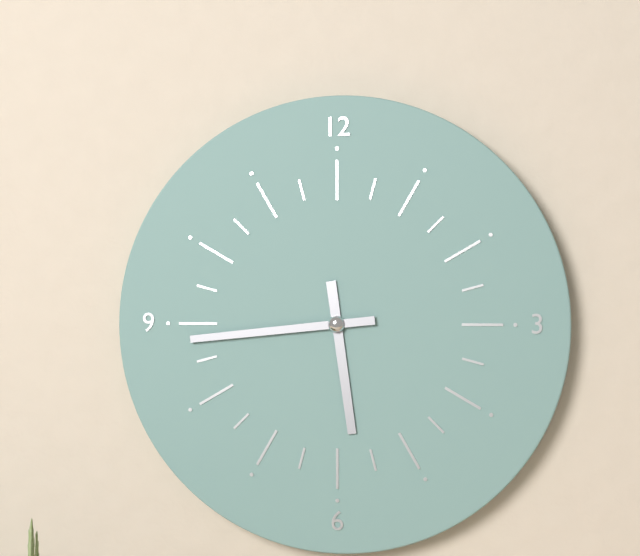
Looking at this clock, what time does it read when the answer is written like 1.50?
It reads 5.44
